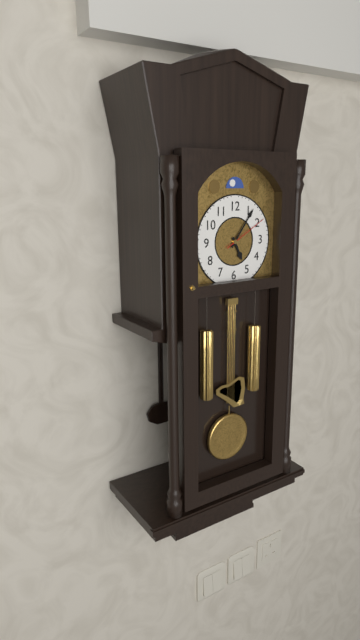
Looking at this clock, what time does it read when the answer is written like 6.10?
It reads 5.06
